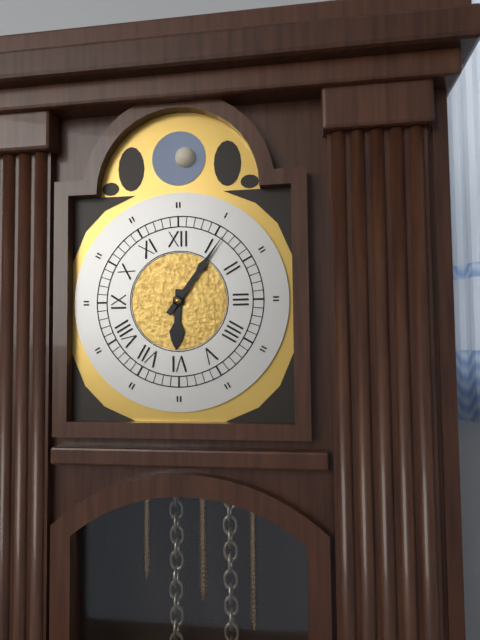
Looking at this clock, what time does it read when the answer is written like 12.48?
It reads 6.06
